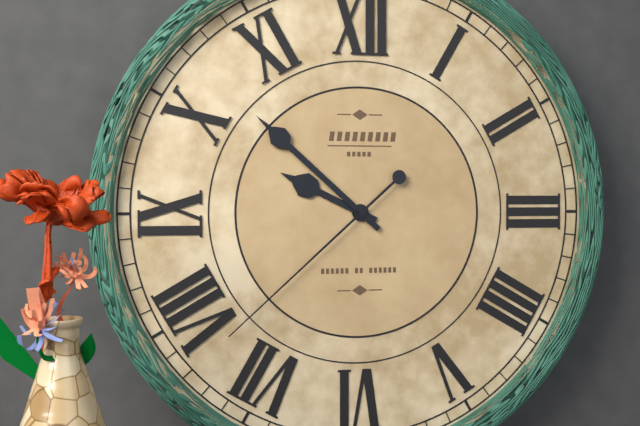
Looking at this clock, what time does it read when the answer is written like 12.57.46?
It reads 9.52.38
